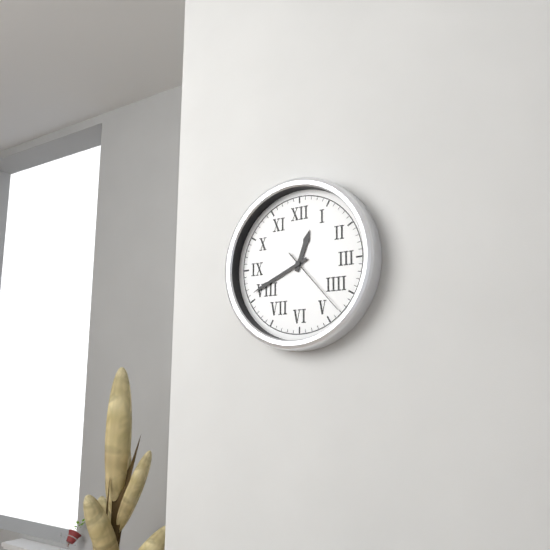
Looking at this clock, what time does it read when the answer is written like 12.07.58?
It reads 12.41.23
